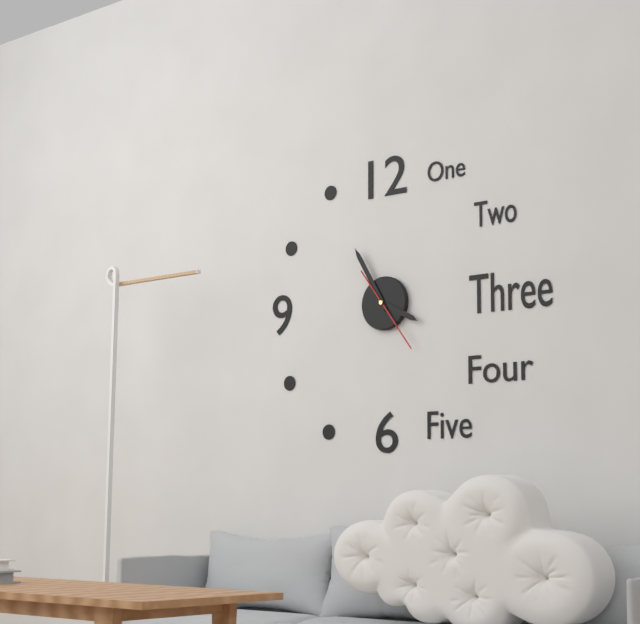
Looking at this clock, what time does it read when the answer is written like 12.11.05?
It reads 3.55.24
